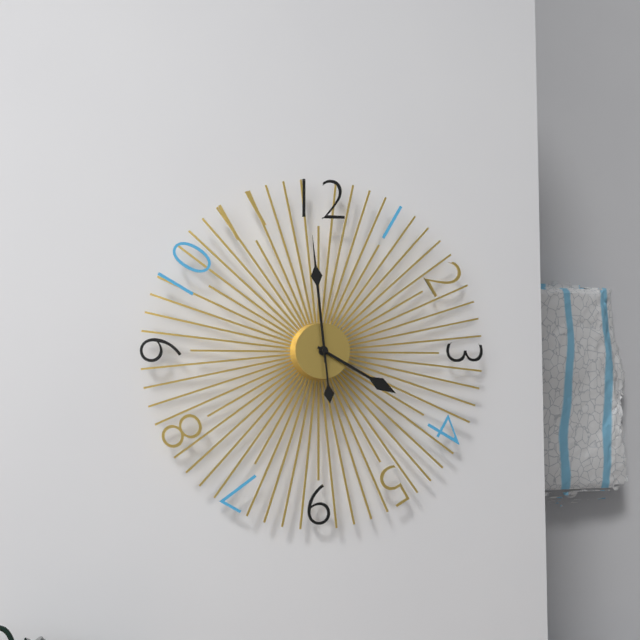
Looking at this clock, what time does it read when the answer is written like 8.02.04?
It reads 3.59.29
